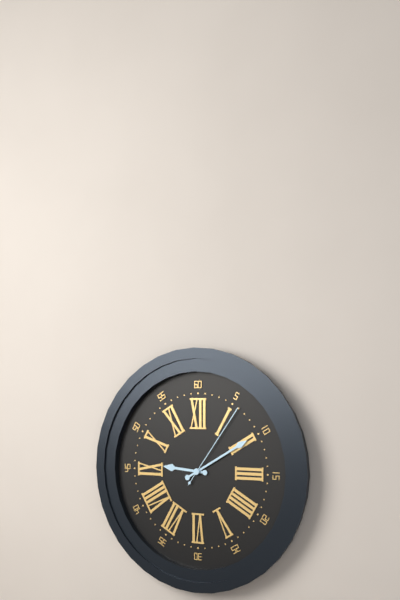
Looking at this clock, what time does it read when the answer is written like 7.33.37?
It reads 9.10.06
